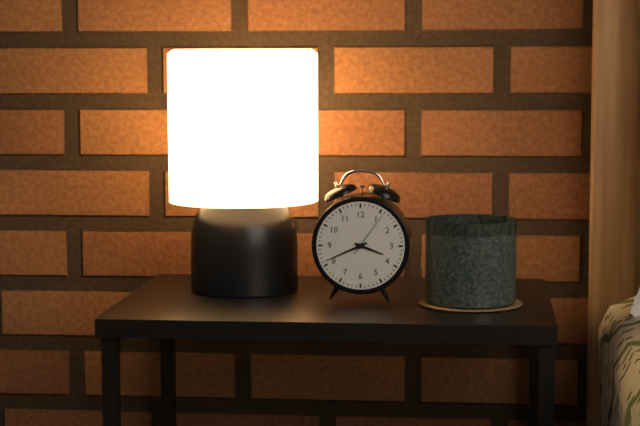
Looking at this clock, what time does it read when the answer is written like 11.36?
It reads 3.41
